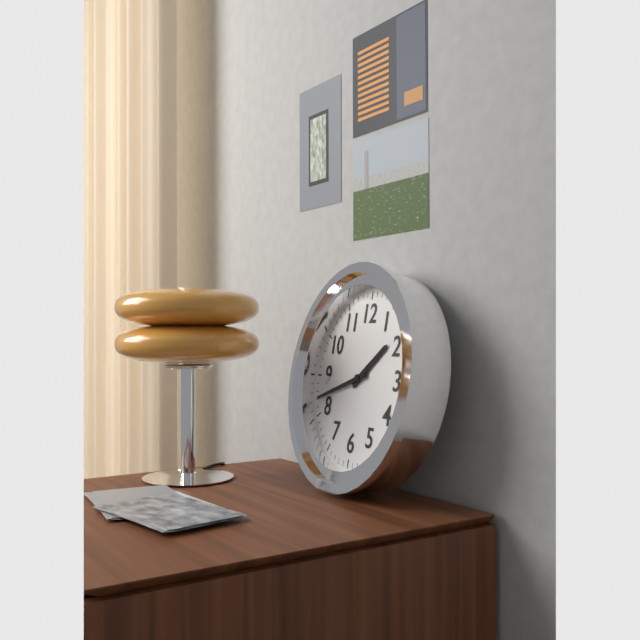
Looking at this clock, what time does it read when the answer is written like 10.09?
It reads 1.42
